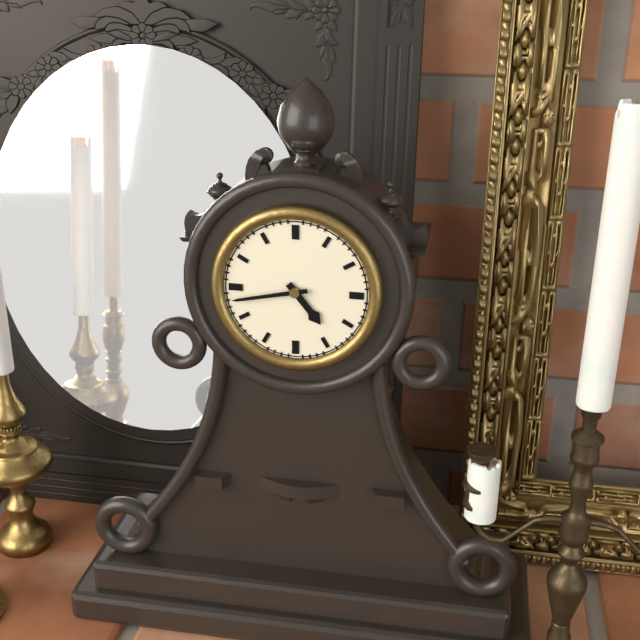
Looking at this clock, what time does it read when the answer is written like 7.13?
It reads 4.43
